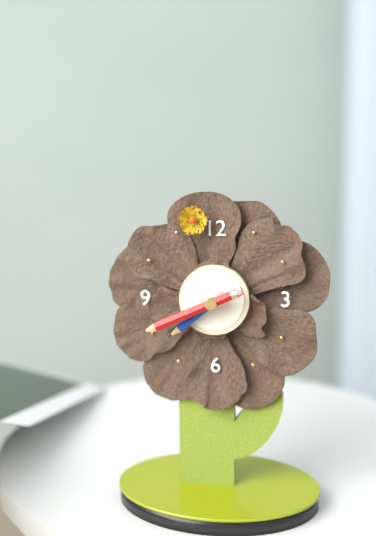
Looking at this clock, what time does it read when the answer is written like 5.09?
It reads 7.41
